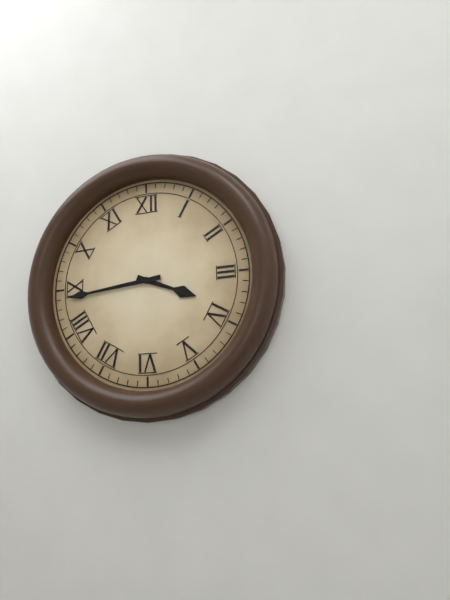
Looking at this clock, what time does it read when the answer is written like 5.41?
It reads 3.44
